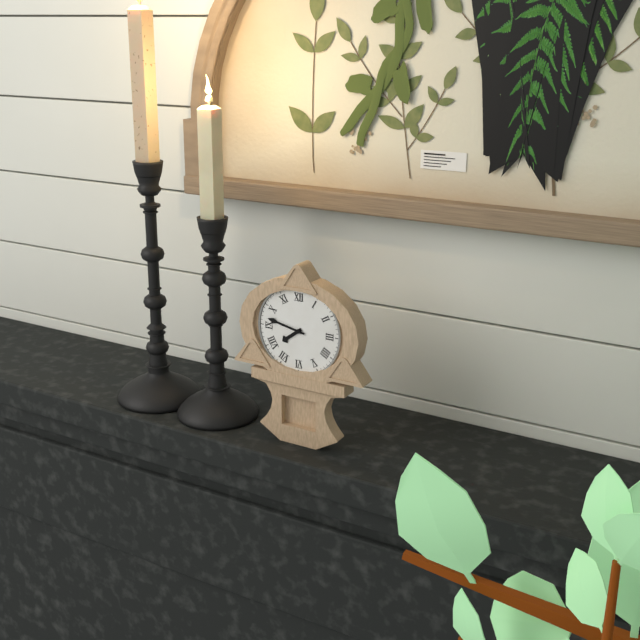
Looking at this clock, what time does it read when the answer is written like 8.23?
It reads 7.47
